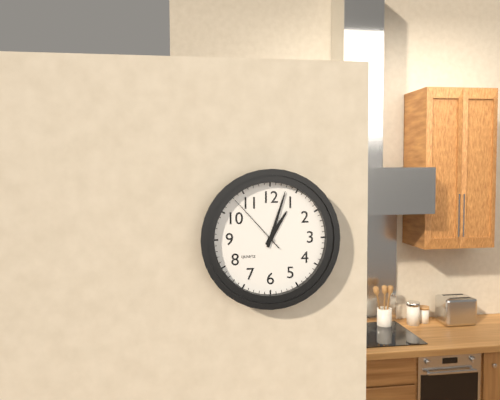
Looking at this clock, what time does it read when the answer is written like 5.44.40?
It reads 1.03.53
